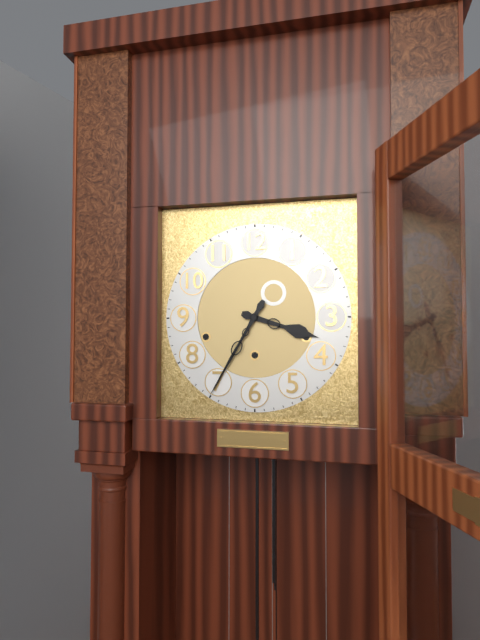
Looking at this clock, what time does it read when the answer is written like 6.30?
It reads 3.35
